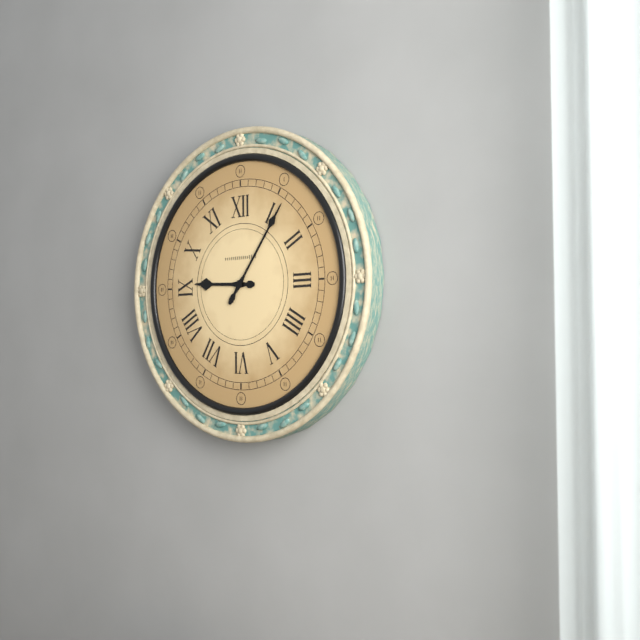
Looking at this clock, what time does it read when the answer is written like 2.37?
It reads 9.06
